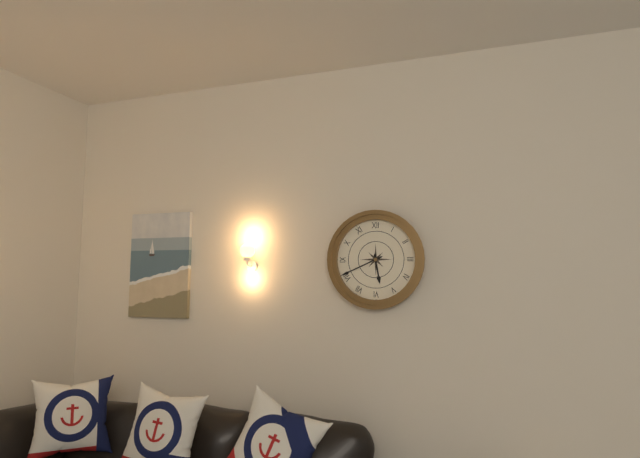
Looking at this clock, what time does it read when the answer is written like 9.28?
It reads 5.41
